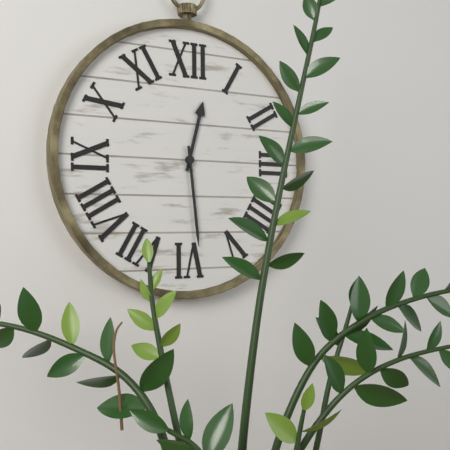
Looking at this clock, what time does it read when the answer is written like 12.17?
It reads 12.29
